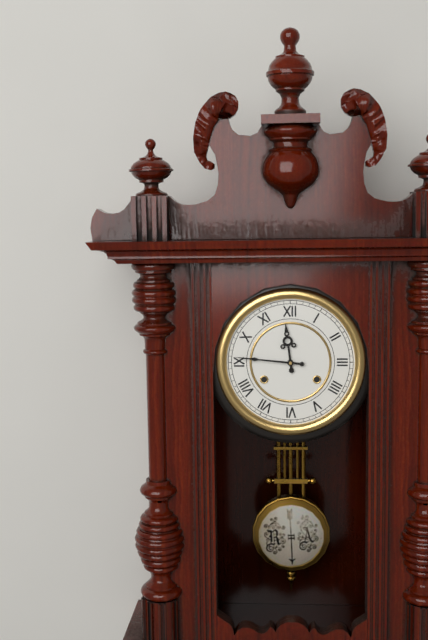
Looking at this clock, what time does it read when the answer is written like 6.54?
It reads 11.46
